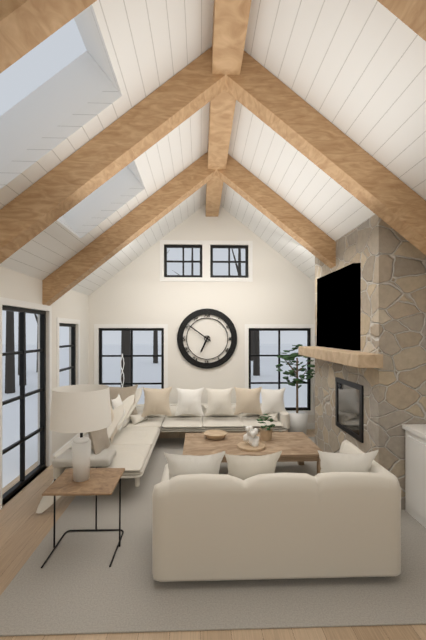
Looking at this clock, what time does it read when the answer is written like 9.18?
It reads 6.51
